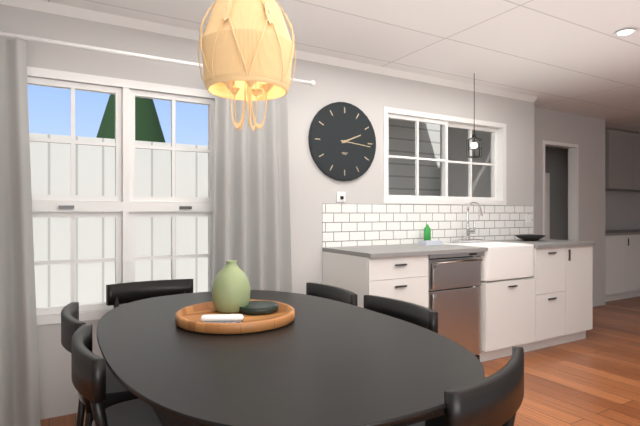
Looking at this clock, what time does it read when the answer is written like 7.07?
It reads 2.16
